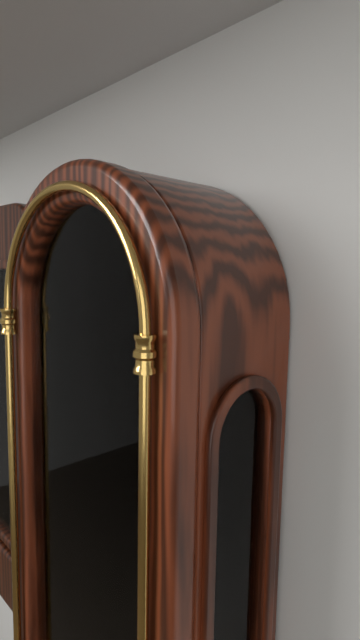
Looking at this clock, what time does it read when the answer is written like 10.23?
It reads 7.47
